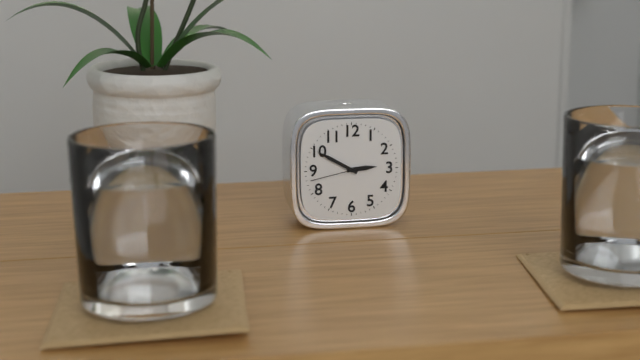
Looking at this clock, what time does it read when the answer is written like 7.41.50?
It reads 2.50.43
